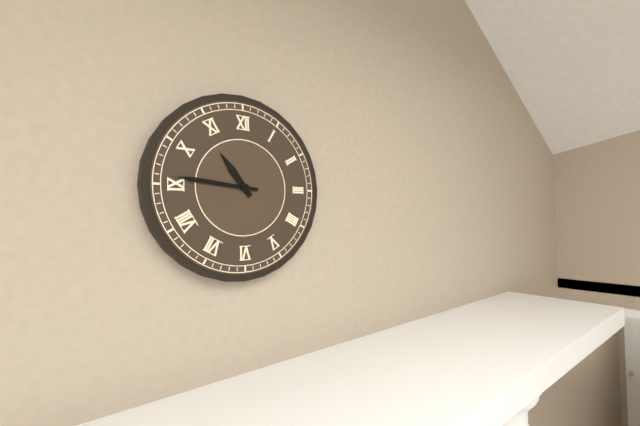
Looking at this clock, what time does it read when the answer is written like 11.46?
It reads 10.46
